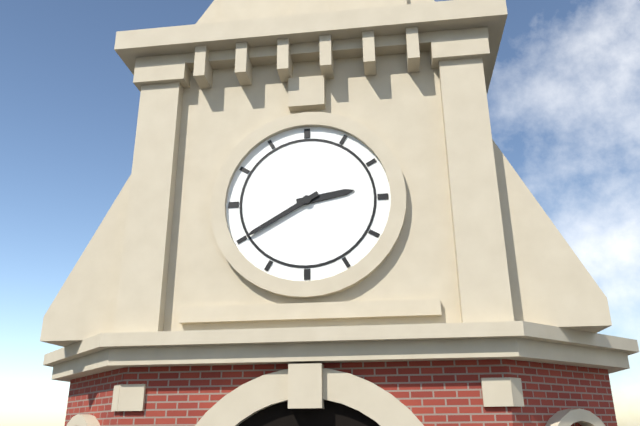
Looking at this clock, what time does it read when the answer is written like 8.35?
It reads 2.40
